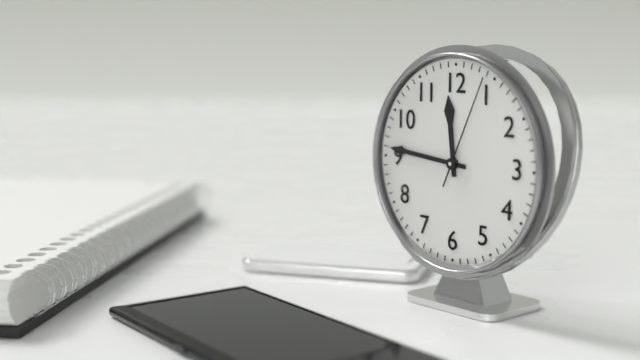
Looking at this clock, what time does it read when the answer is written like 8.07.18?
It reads 11.46.04
